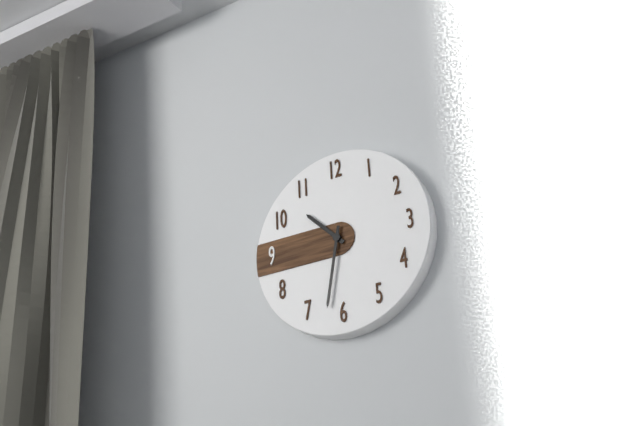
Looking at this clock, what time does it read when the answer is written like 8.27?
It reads 10.32
